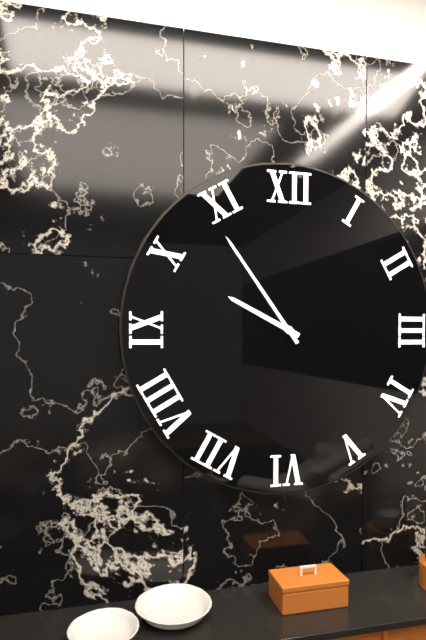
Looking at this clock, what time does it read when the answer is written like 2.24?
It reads 9.54
